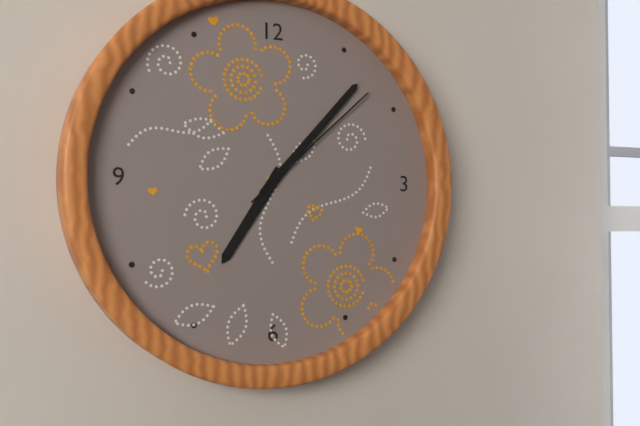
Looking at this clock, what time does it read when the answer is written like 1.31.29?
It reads 7.07.08
